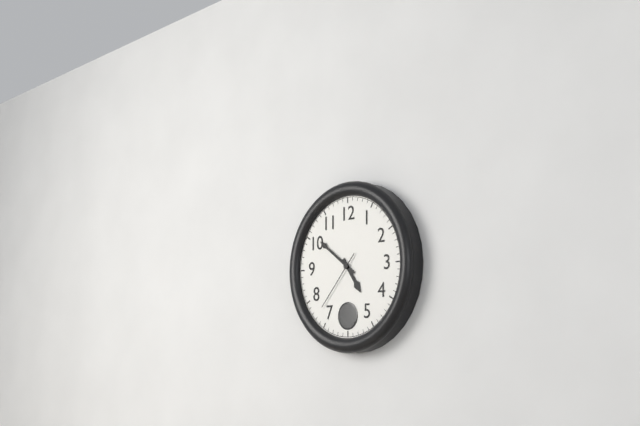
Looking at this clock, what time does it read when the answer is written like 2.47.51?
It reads 4.51.37
